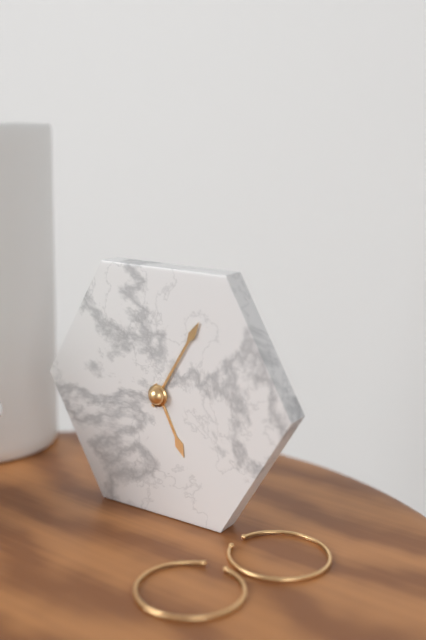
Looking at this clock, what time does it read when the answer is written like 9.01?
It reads 5.05
